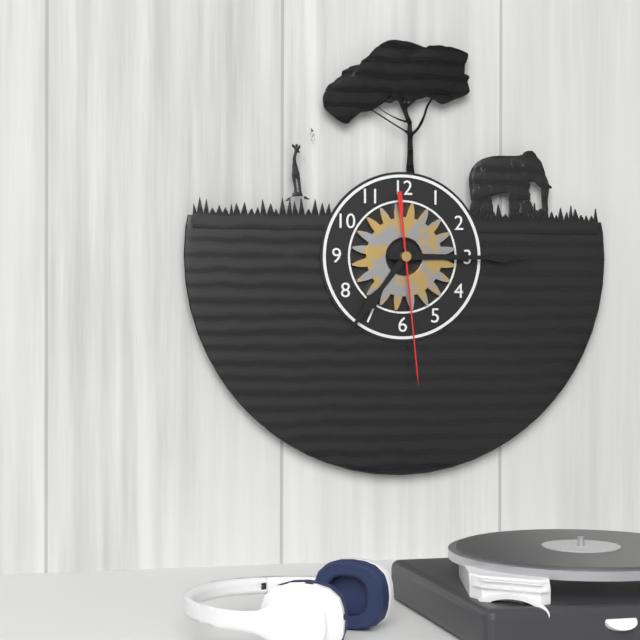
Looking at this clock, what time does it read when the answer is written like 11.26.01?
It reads 7.15.29
